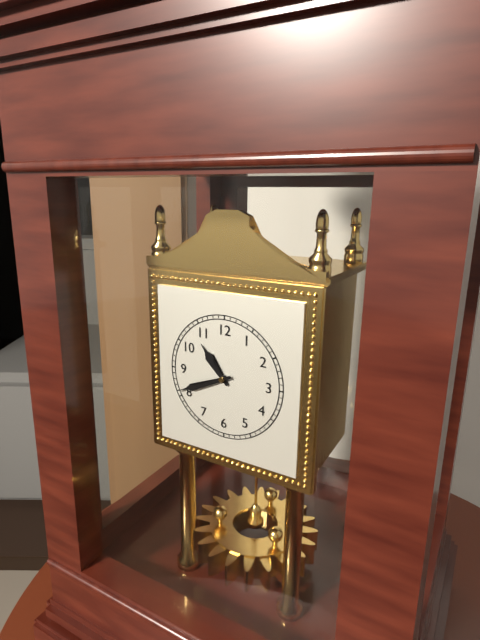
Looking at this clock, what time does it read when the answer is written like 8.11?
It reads 10.41
